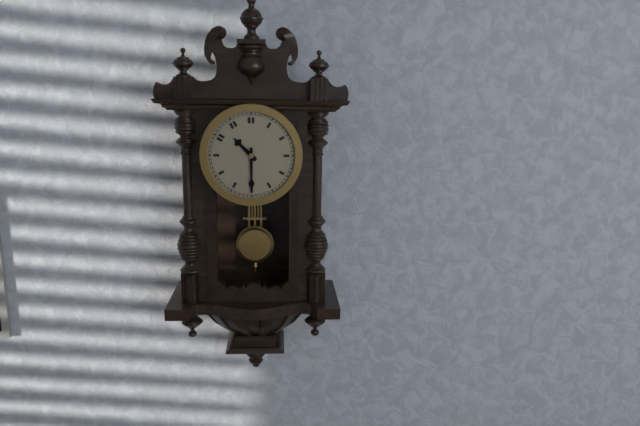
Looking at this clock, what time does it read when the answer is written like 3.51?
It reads 10.30
